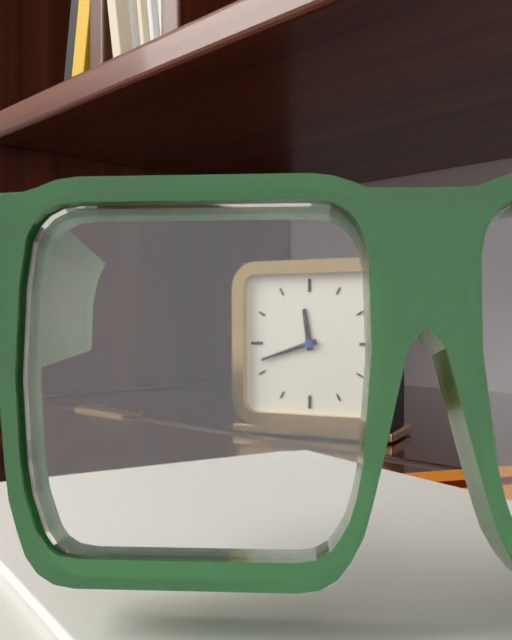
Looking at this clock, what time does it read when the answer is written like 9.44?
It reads 11.42
